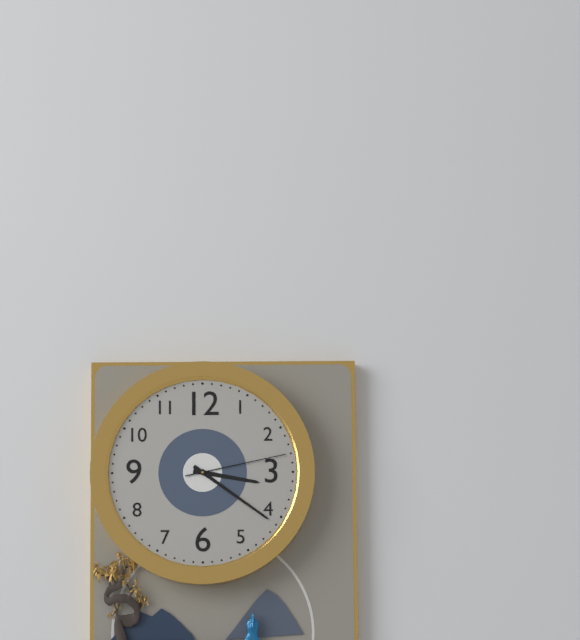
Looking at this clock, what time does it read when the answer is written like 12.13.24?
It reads 3.21.13
